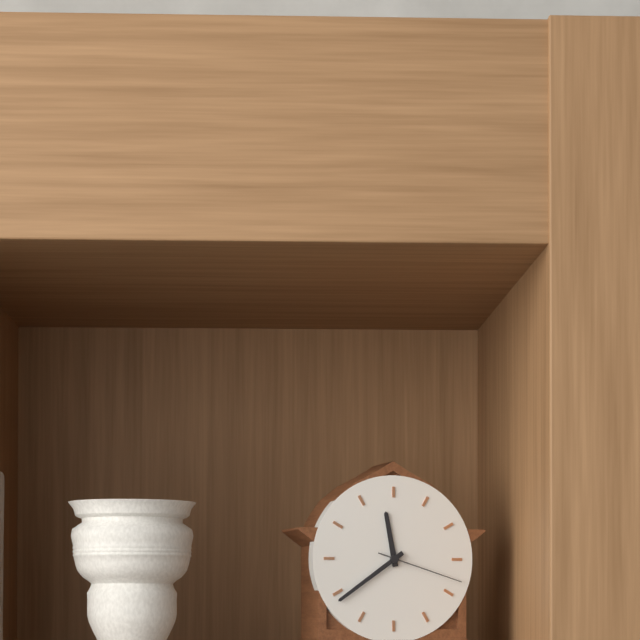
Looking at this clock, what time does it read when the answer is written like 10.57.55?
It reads 11.39.18
